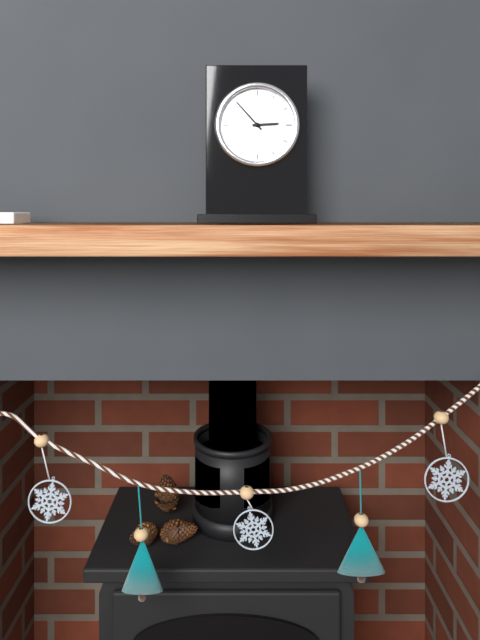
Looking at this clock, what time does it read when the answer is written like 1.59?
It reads 2.53
